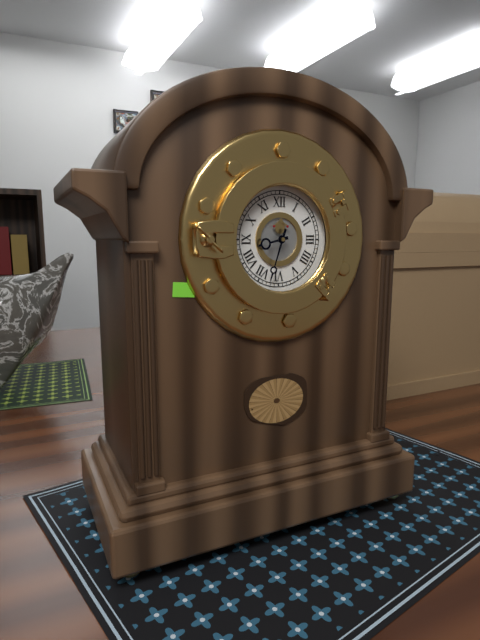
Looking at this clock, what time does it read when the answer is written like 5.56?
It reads 8.33
